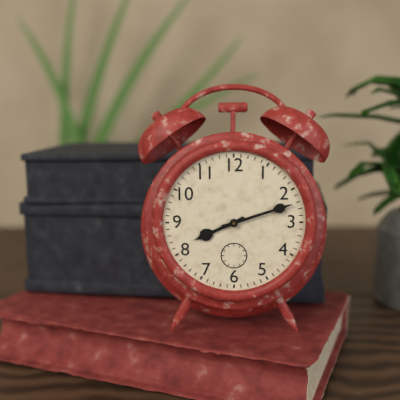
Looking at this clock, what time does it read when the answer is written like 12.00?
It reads 8.12
